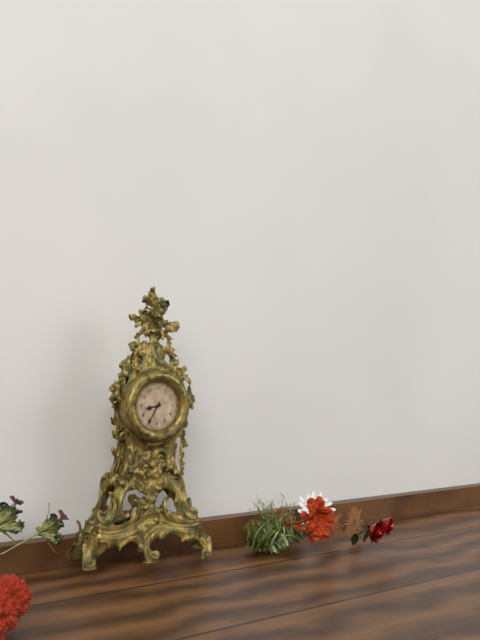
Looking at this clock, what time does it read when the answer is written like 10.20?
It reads 8.35
